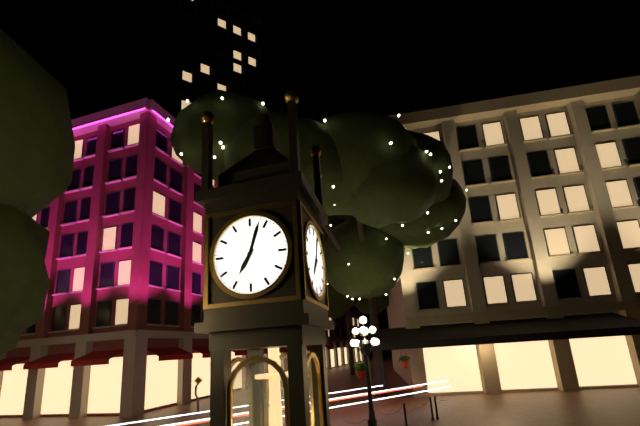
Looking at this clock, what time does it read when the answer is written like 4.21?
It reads 7.03
